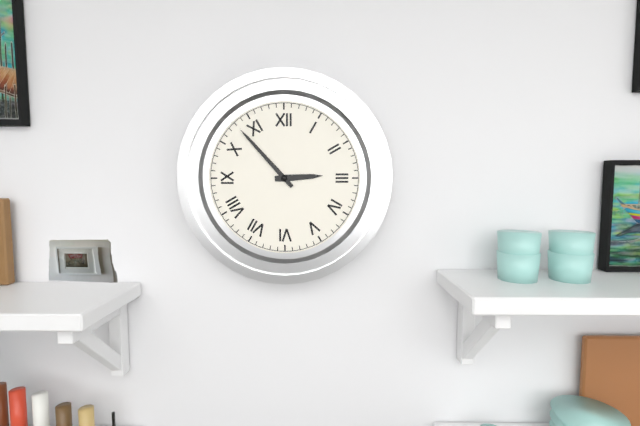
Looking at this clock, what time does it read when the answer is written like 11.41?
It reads 2.53
